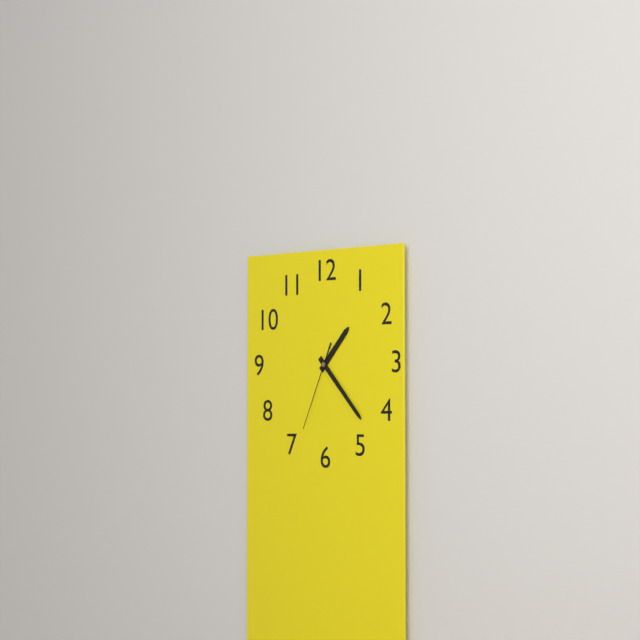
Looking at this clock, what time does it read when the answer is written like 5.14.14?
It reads 1.23.34
